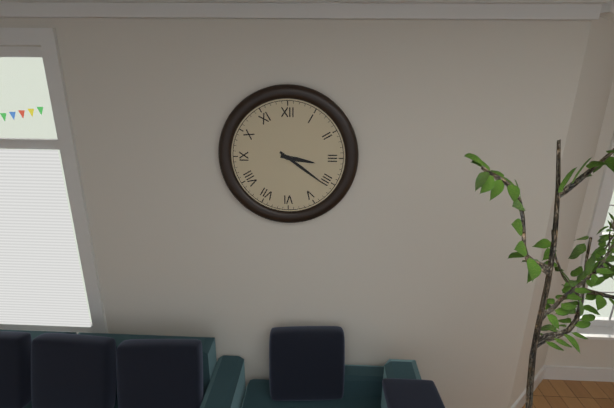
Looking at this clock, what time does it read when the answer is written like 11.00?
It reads 3.21
